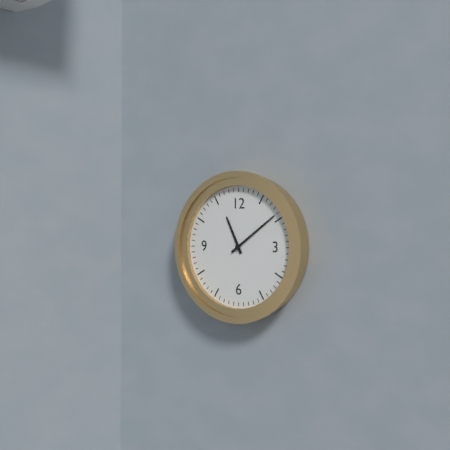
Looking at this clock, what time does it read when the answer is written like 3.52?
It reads 11.09
